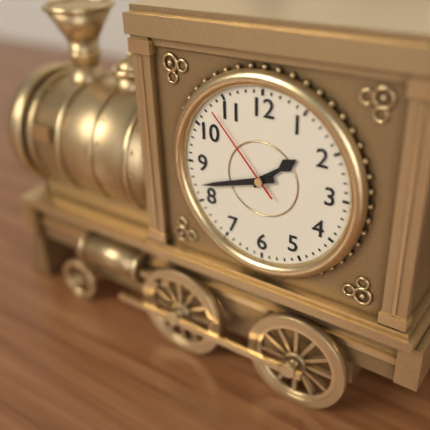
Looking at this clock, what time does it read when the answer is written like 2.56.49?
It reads 1.42.53
